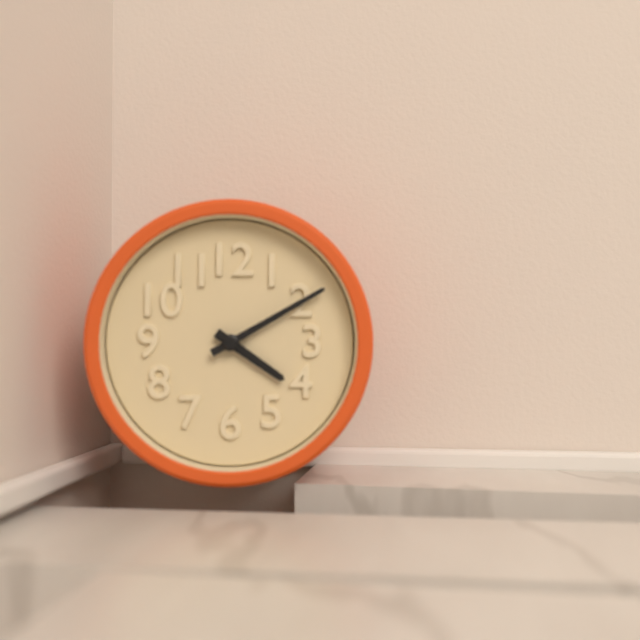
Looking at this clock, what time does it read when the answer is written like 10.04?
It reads 4.10
